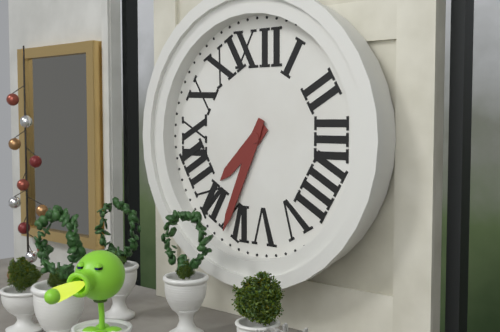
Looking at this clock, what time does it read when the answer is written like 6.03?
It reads 7.34
